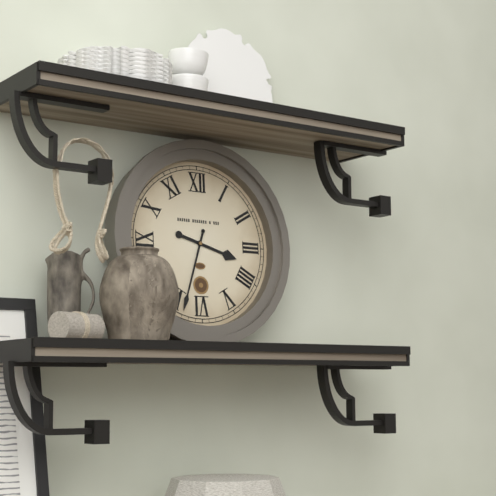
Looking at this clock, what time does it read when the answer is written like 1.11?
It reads 3.33
